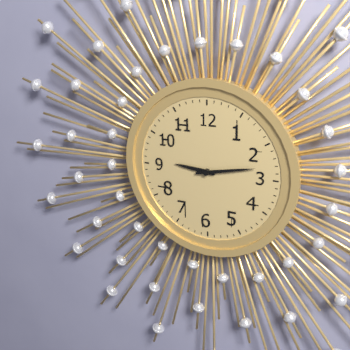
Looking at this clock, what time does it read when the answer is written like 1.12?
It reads 9.13
